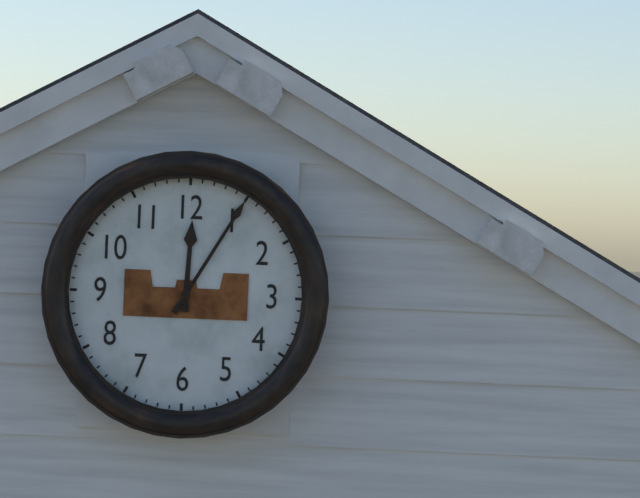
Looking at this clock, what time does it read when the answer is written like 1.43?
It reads 12.05
